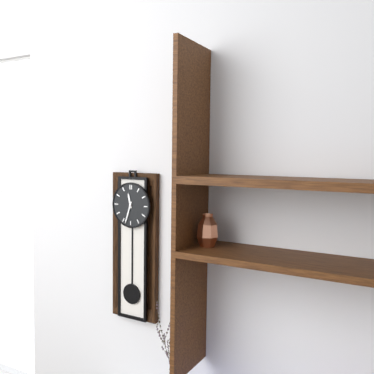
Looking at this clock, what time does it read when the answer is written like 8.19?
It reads 11.33
